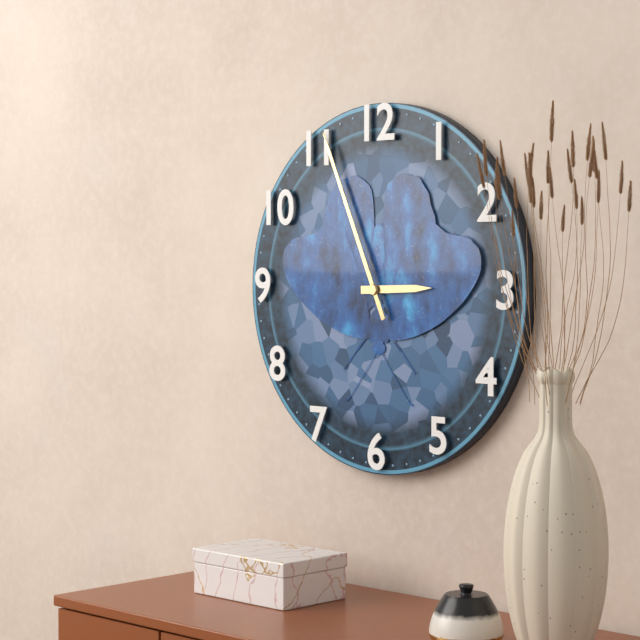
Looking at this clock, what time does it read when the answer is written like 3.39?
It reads 2.56
